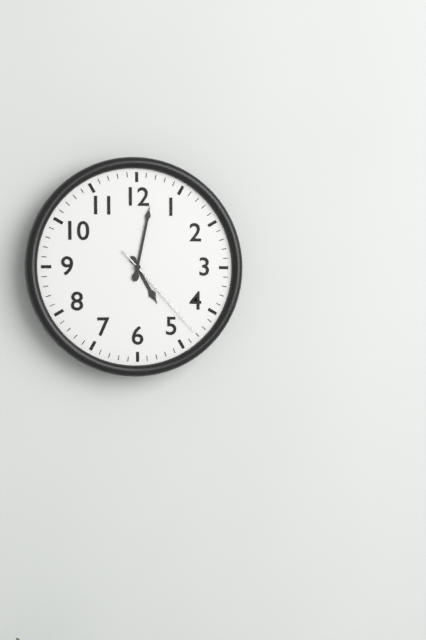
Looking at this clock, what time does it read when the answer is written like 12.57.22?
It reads 5.02.23
